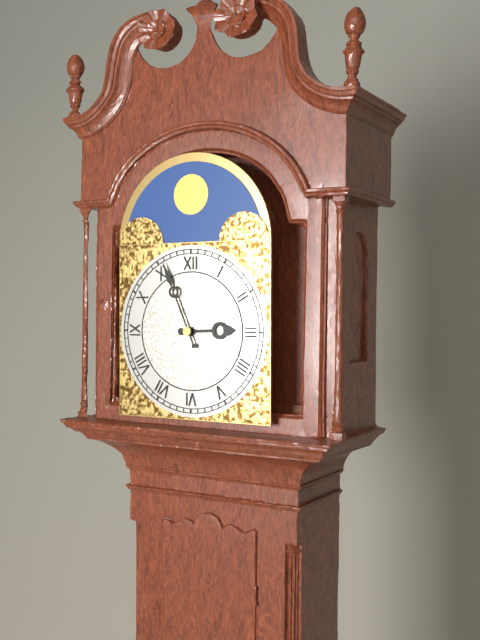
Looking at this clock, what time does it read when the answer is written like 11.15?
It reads 2.56
